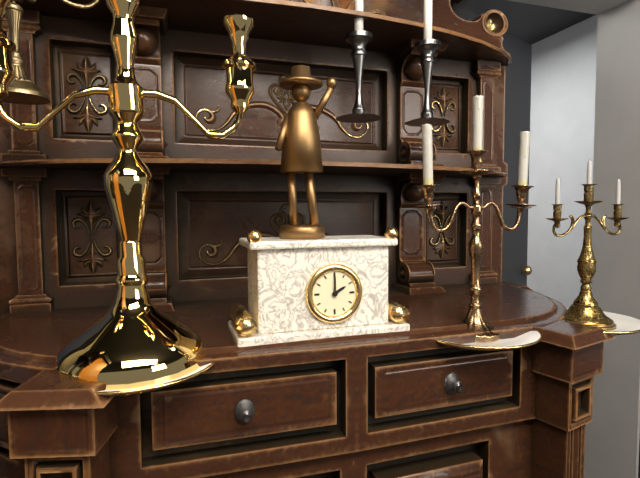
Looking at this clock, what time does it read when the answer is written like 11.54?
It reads 2.00
